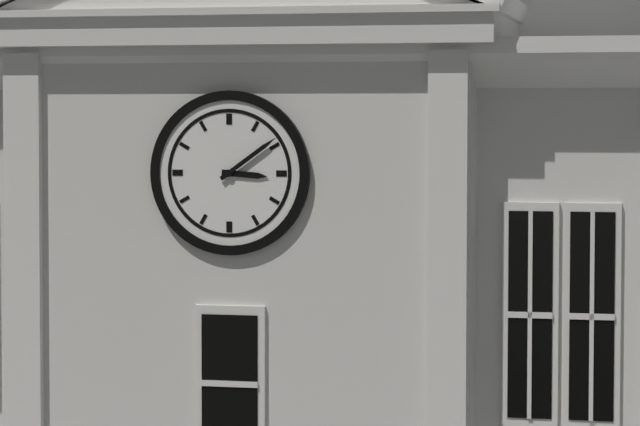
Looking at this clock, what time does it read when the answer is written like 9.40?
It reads 3.09
